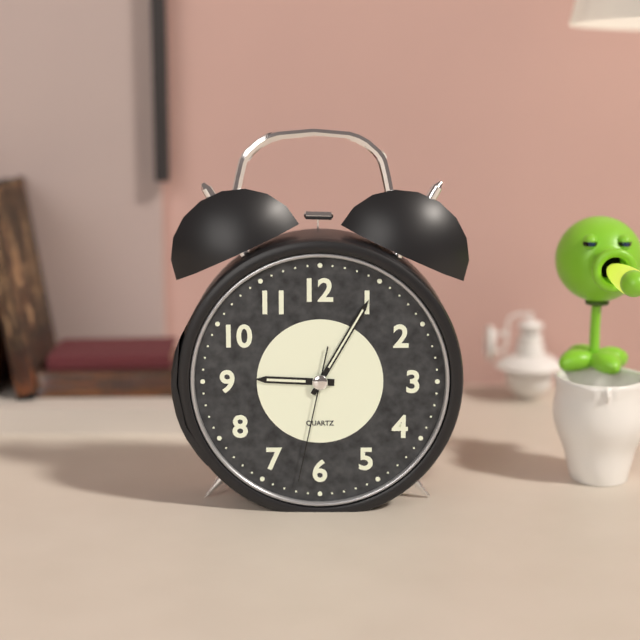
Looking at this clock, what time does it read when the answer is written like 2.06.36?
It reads 9.05.32
